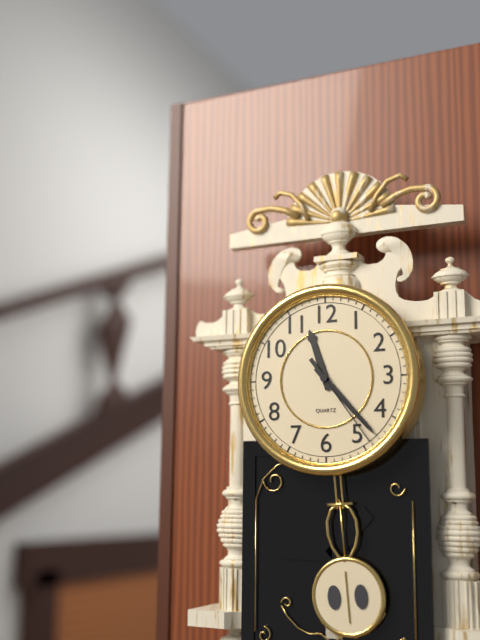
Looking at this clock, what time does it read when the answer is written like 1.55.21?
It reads 11.23.24
